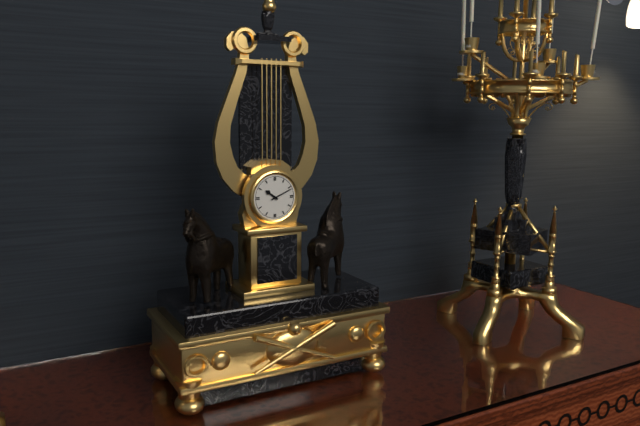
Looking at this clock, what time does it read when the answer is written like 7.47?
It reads 10.11
